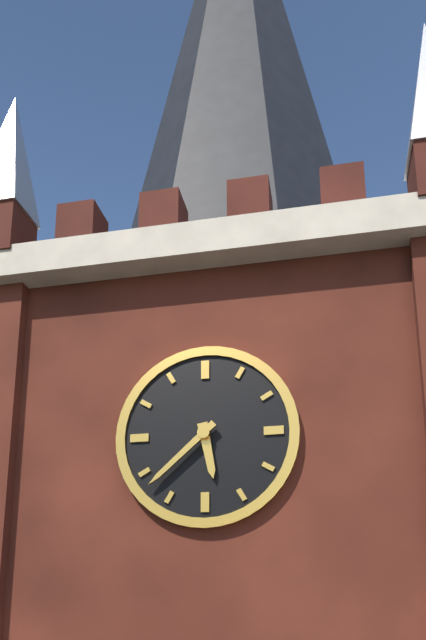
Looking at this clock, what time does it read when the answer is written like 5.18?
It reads 5.38
